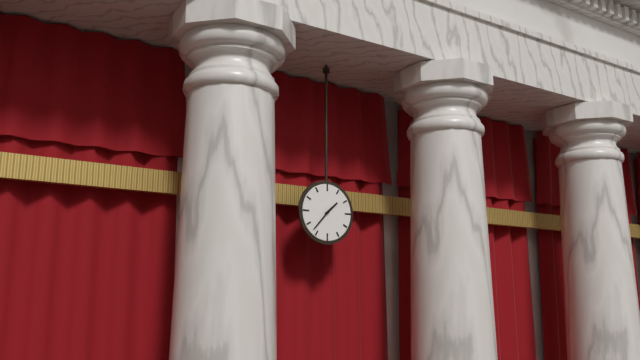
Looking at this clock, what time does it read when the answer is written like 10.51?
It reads 1.37
